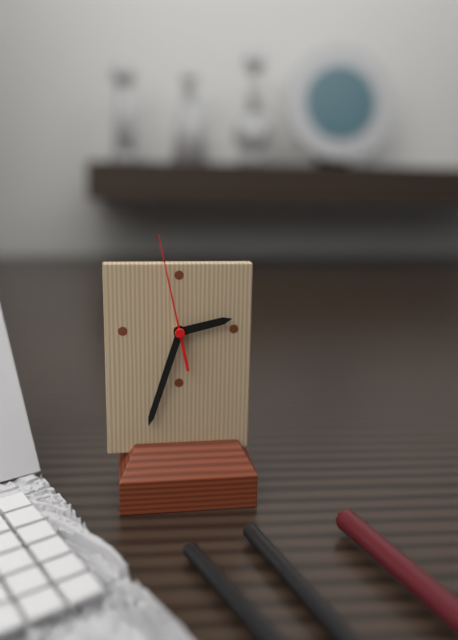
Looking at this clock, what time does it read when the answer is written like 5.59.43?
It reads 2.33.58
